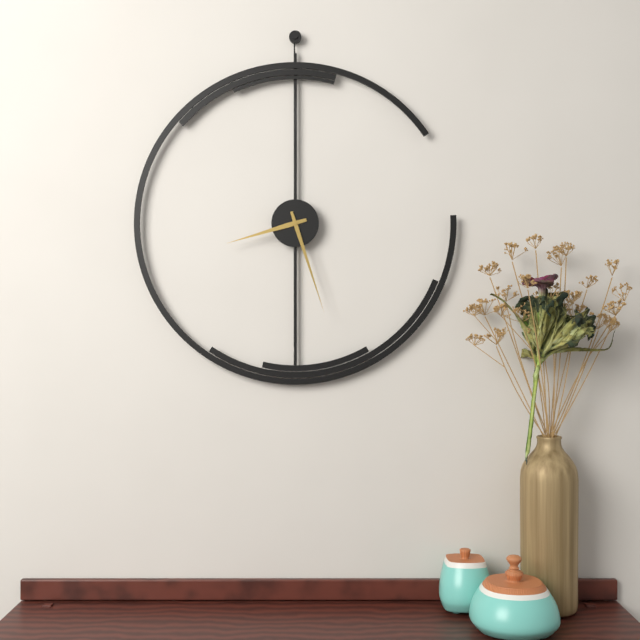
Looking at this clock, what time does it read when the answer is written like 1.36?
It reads 8.27
